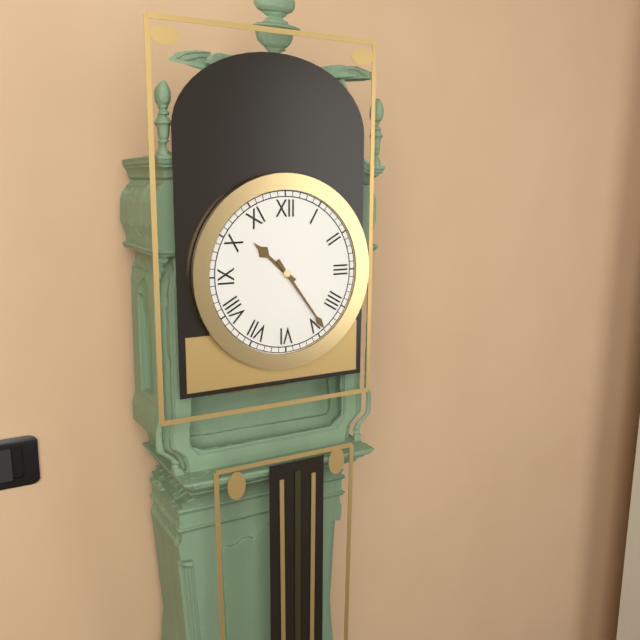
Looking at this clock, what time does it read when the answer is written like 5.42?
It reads 10.24
